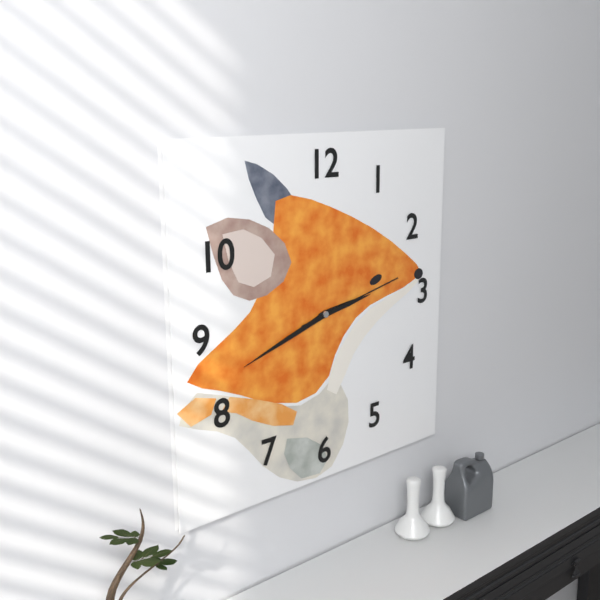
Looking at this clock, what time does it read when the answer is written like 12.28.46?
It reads 2.42.13
